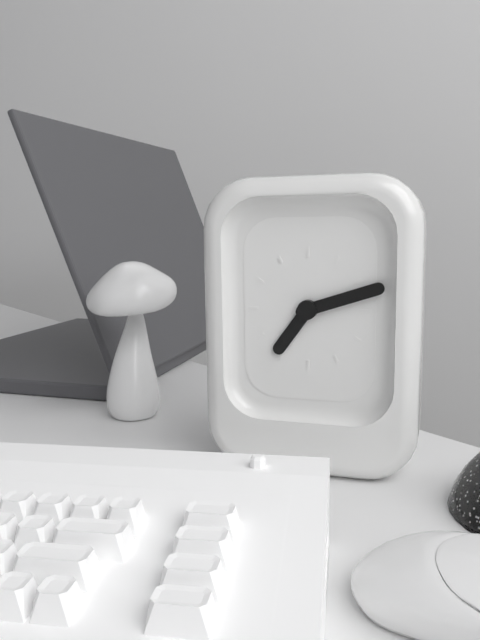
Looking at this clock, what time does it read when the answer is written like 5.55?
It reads 7.12
